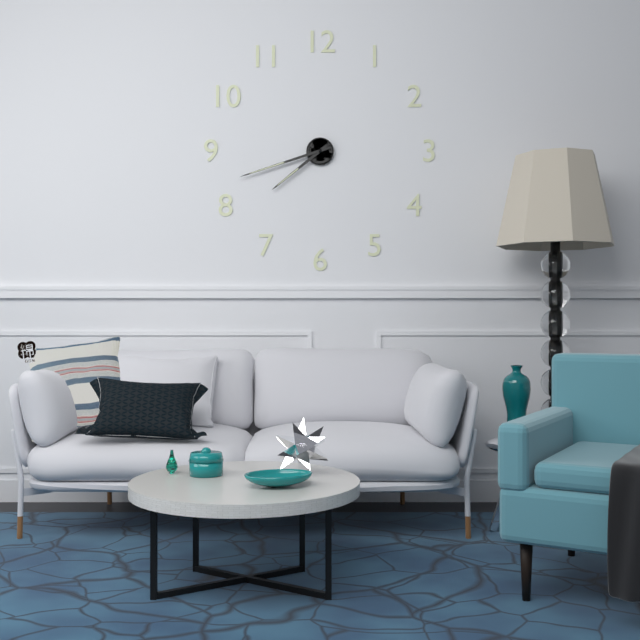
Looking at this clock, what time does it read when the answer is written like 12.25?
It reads 7.42
